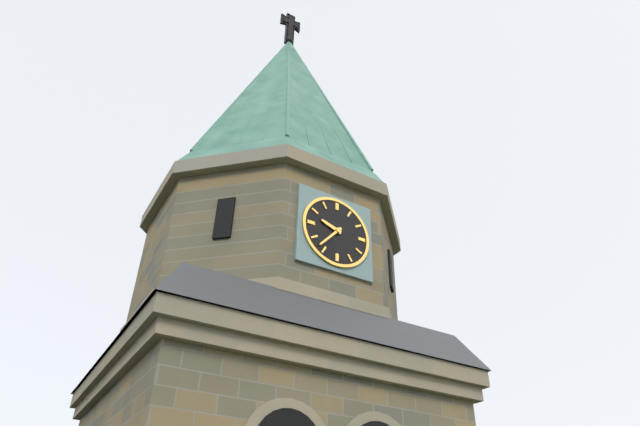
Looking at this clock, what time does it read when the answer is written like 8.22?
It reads 9.37
